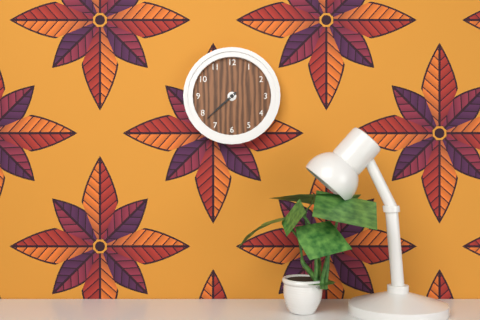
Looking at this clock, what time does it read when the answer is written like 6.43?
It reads 7.38
